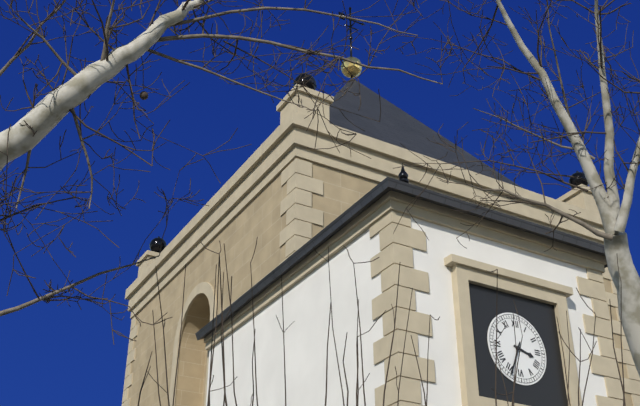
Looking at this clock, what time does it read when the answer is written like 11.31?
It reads 3.34
